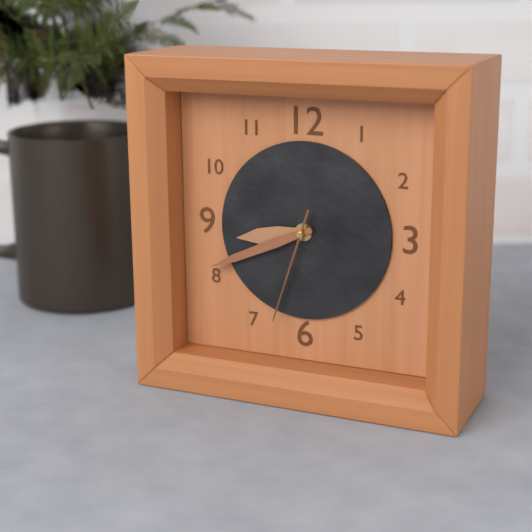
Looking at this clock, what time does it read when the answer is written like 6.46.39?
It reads 8.41.33
